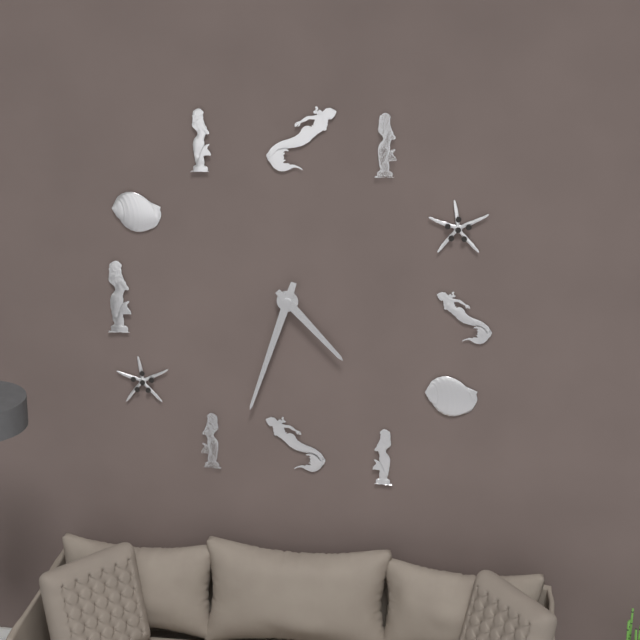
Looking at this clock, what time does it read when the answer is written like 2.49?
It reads 4.33
